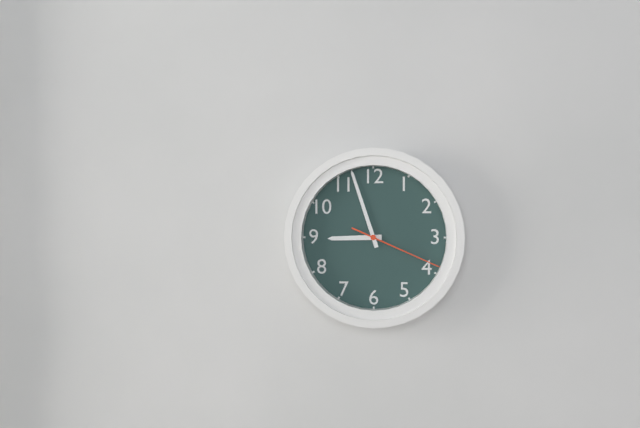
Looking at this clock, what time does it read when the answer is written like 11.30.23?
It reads 8.57.19
